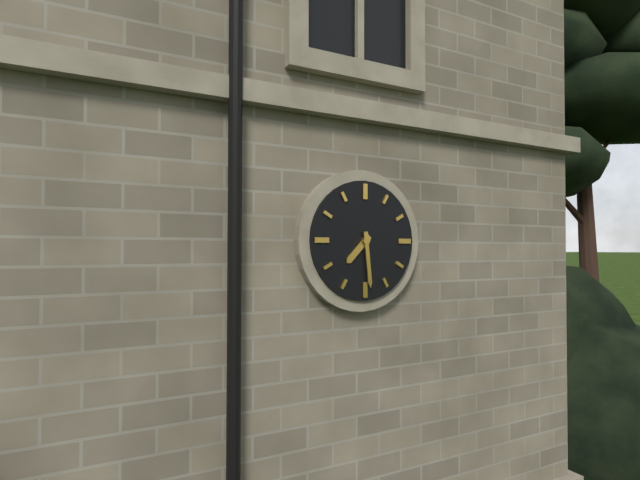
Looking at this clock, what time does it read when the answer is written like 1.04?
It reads 7.29
